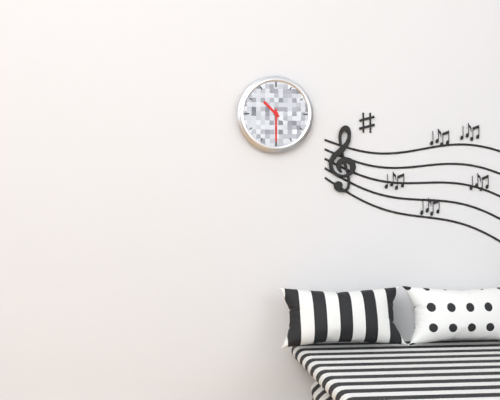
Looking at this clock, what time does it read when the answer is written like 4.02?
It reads 10.30
